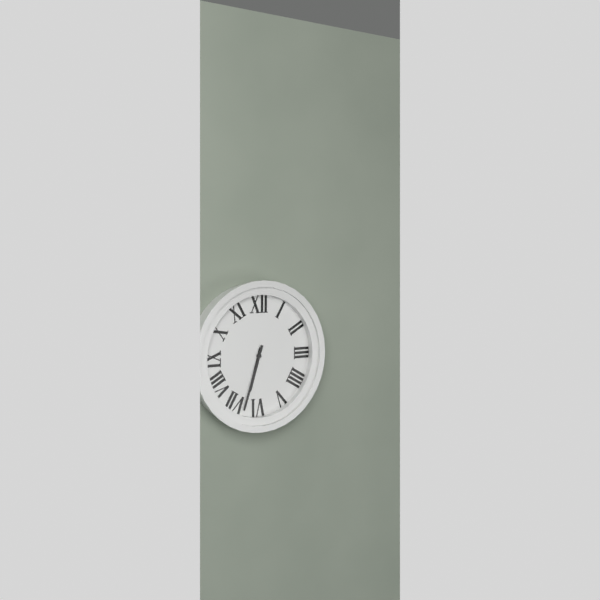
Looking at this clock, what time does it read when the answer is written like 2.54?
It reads 6.33
